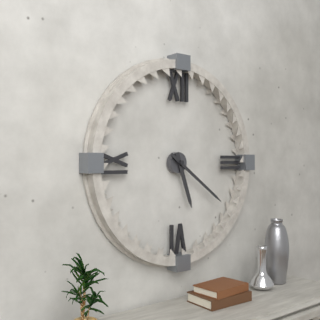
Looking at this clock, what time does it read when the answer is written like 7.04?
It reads 5.21
